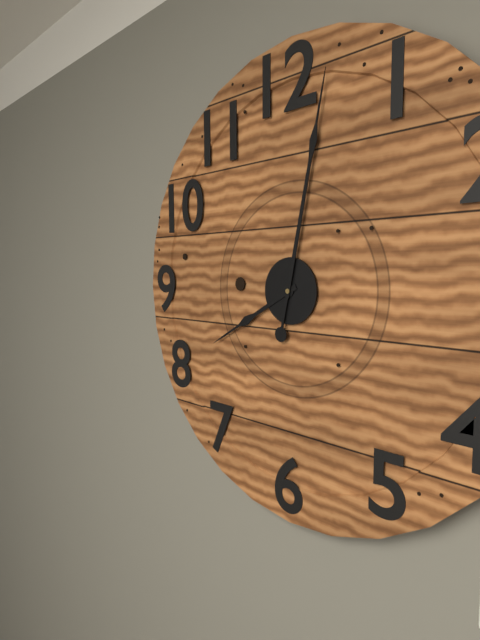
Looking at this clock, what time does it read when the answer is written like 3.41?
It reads 8.02
